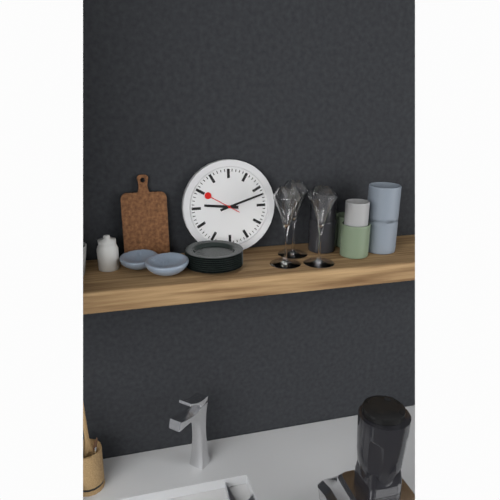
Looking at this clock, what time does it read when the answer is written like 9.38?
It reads 9.12
